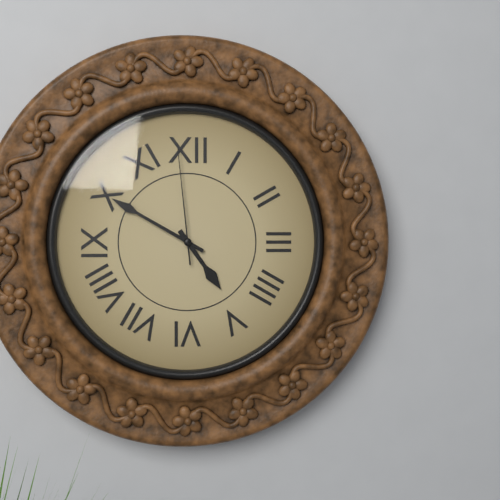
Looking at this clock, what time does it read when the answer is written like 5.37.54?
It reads 4.50.59
